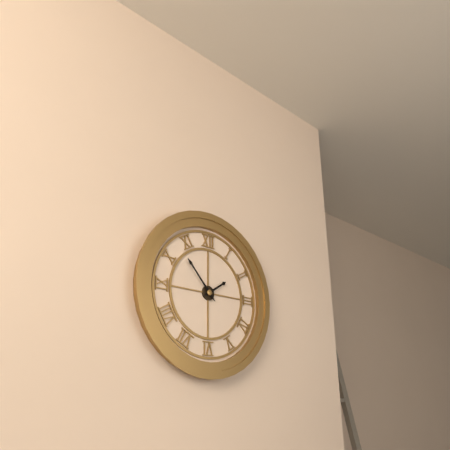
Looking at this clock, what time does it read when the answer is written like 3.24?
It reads 1.53
